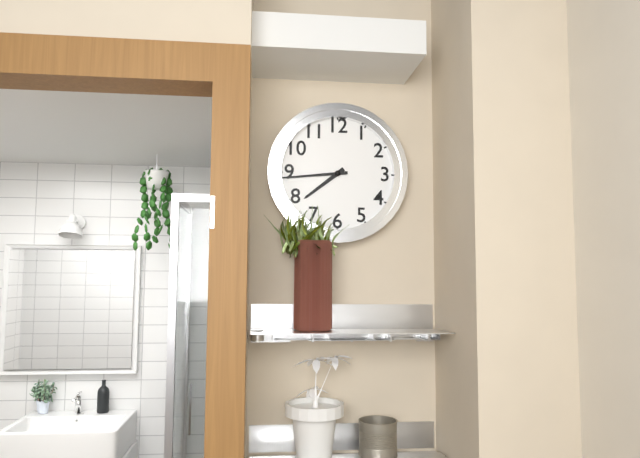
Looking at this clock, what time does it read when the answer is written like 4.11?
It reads 7.44
